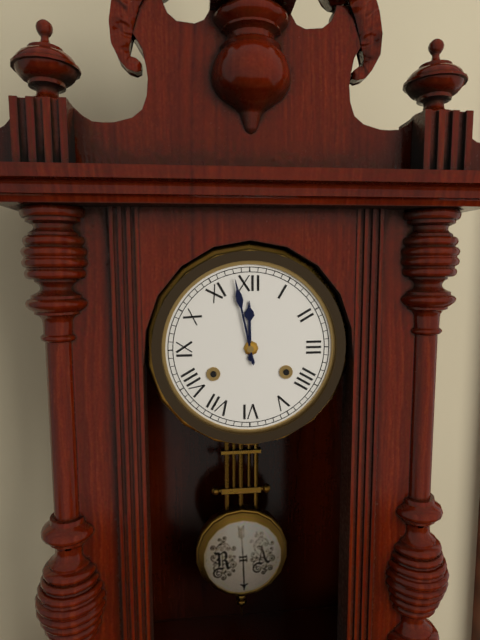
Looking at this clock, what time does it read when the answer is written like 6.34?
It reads 11.58
